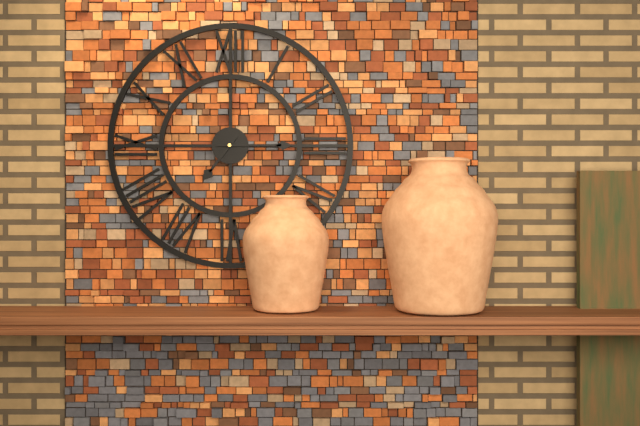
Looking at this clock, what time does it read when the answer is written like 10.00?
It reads 7.15
